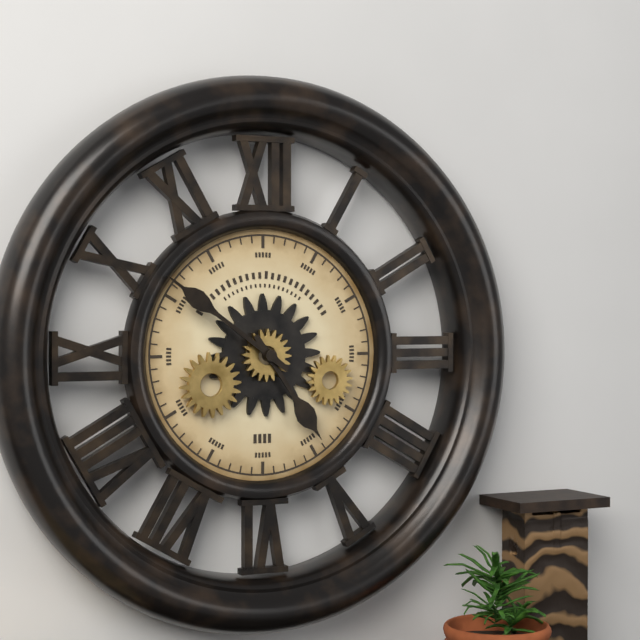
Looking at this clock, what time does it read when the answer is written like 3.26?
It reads 4.51
